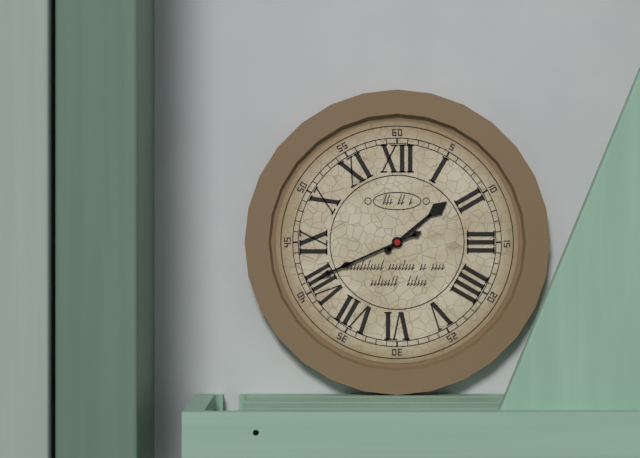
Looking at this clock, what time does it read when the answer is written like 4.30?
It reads 1.41
